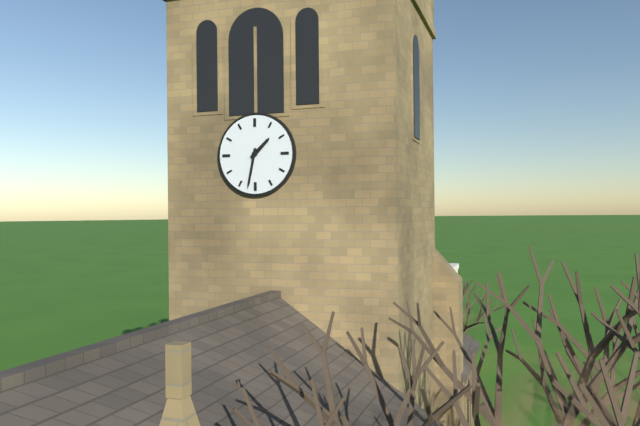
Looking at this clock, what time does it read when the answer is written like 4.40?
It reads 1.32
